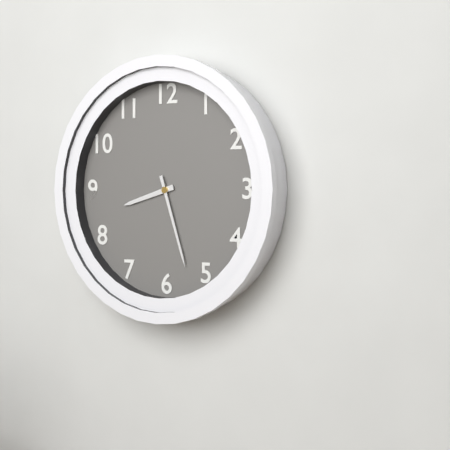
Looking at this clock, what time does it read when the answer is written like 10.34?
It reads 8.27
